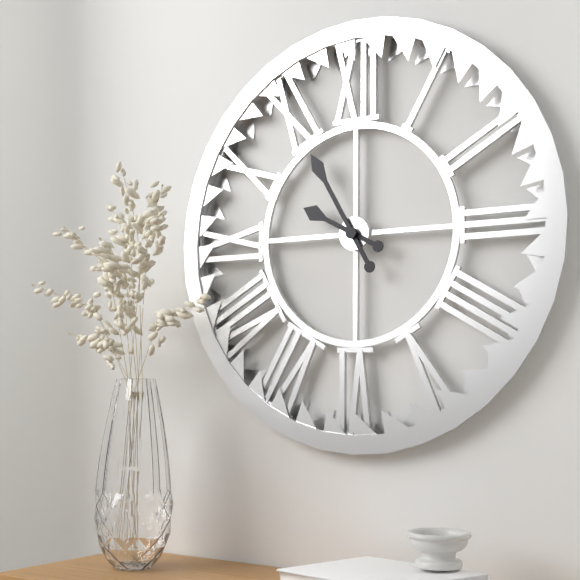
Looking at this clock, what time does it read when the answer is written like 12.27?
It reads 9.55
